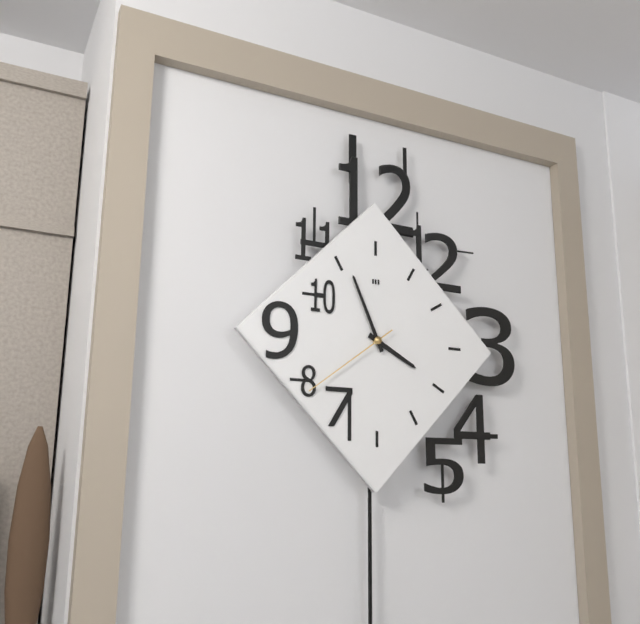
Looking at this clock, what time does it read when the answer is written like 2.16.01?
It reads 3.56.39
